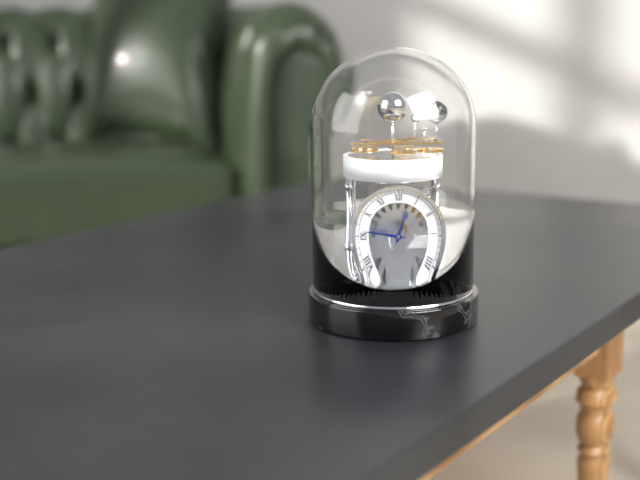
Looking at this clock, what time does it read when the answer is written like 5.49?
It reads 12.46
